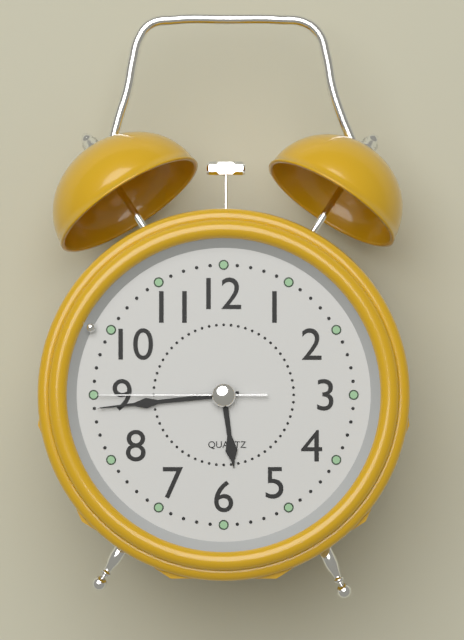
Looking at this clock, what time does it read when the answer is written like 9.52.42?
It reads 5.44.45
